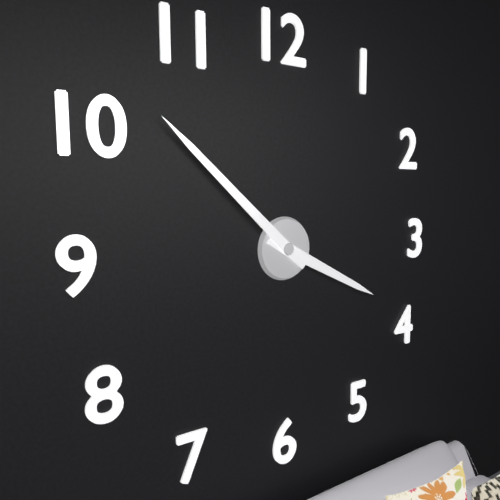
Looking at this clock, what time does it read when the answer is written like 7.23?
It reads 3.52
